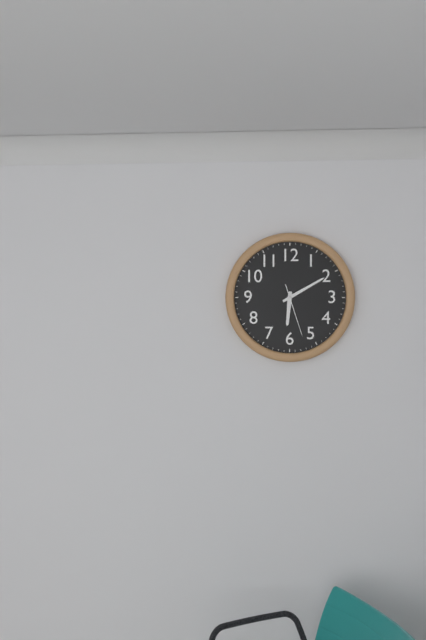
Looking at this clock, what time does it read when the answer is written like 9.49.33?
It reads 6.10.27
